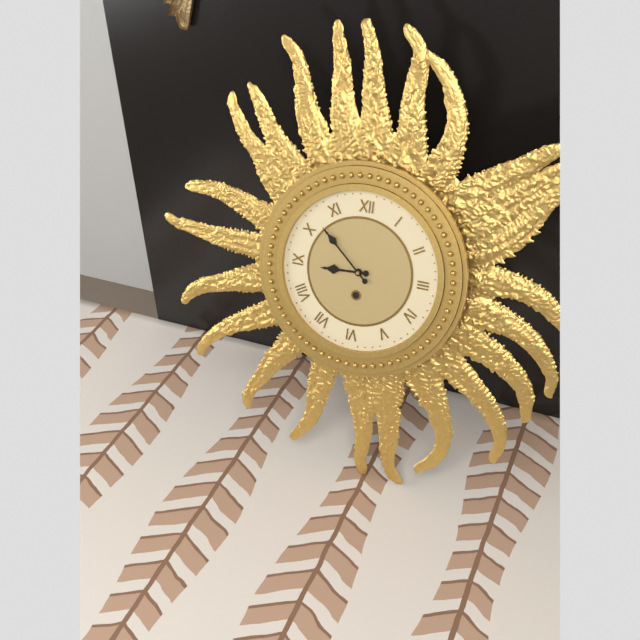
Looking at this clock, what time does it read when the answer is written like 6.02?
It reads 8.52
